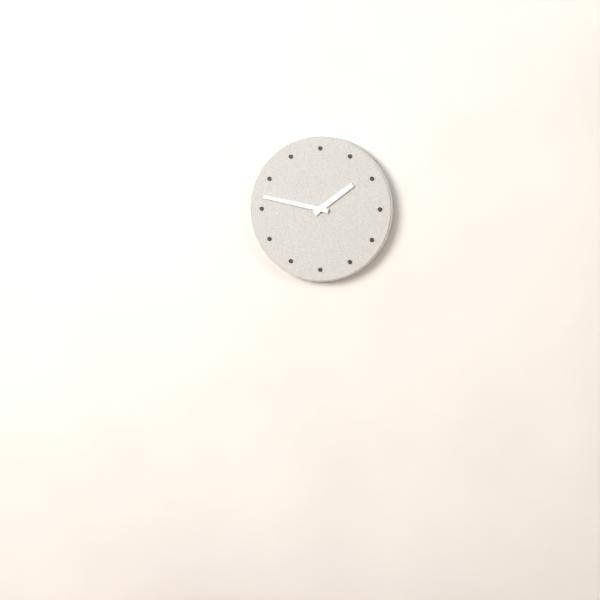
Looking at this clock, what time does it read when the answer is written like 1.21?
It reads 1.47
